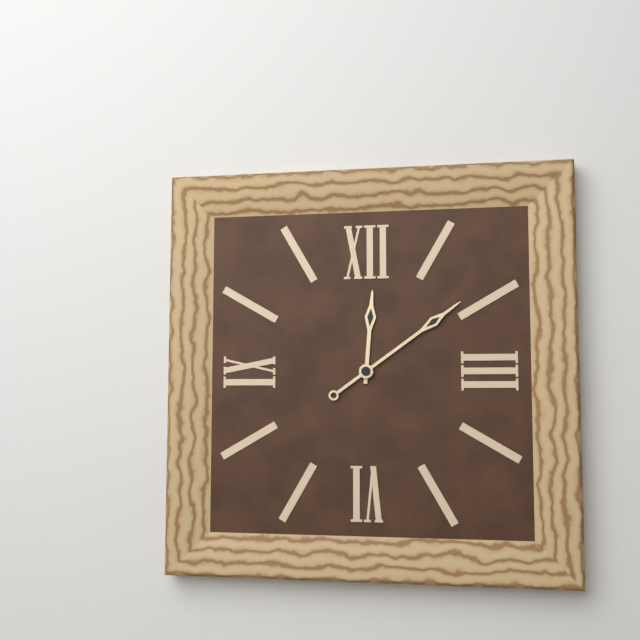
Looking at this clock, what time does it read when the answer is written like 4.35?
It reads 12.09
